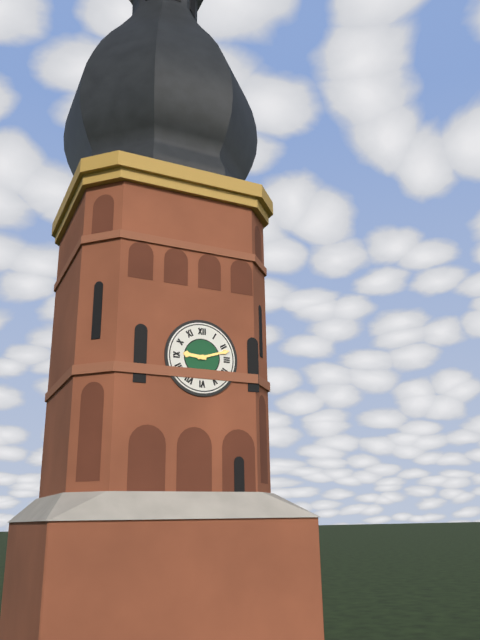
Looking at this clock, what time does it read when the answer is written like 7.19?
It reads 9.12
